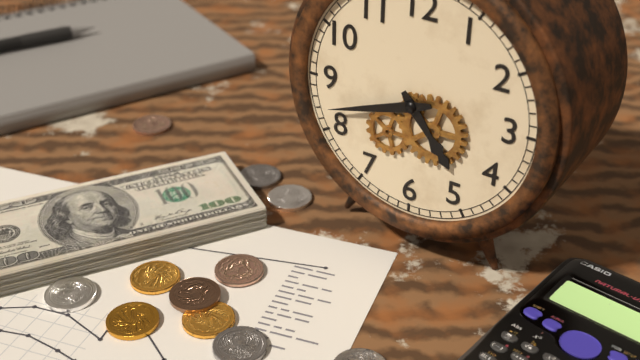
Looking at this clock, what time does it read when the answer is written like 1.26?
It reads 4.42
